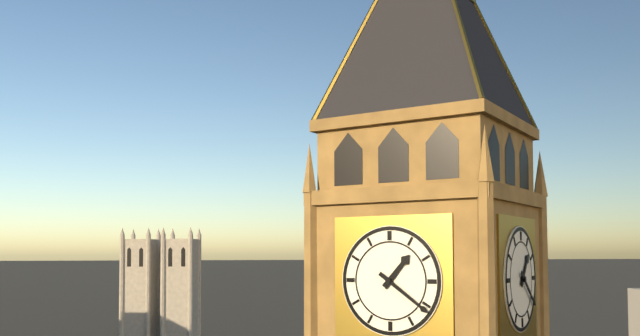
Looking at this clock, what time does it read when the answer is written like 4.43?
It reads 1.21
